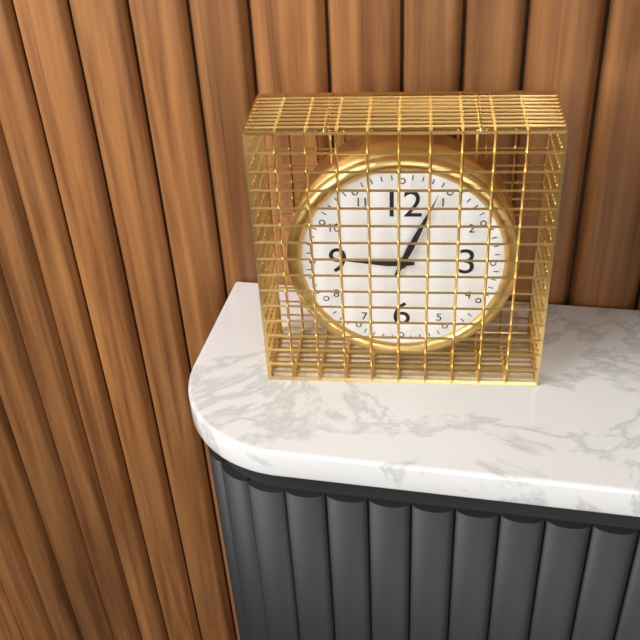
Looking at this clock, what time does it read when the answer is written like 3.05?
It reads 9.04
